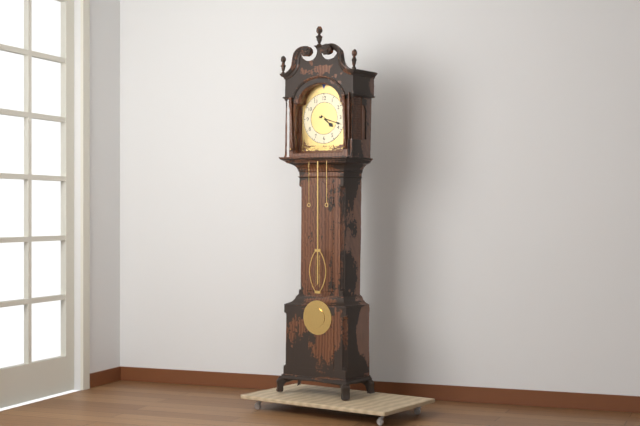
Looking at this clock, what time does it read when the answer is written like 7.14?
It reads 4.18
